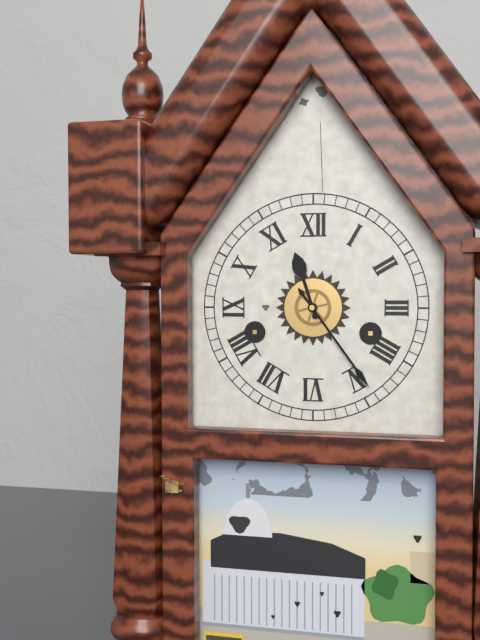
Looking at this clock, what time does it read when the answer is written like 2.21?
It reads 11.24
